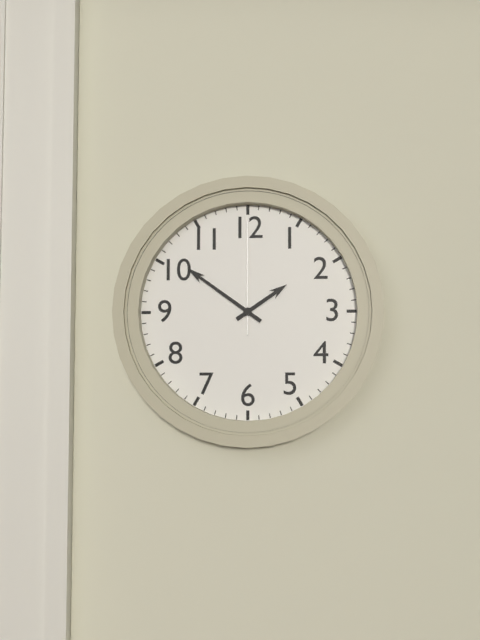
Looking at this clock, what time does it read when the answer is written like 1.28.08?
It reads 1.51.00
